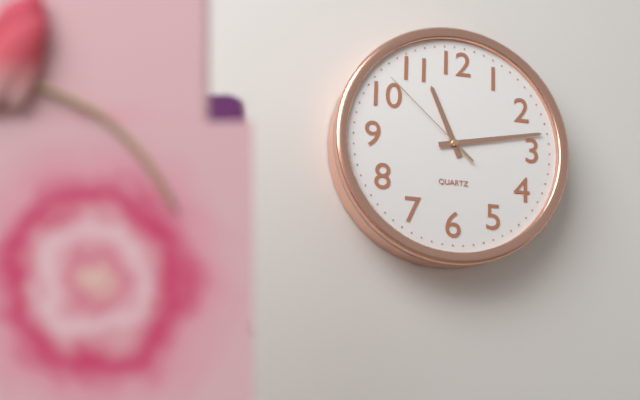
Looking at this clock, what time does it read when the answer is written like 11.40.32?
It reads 11.13.52
